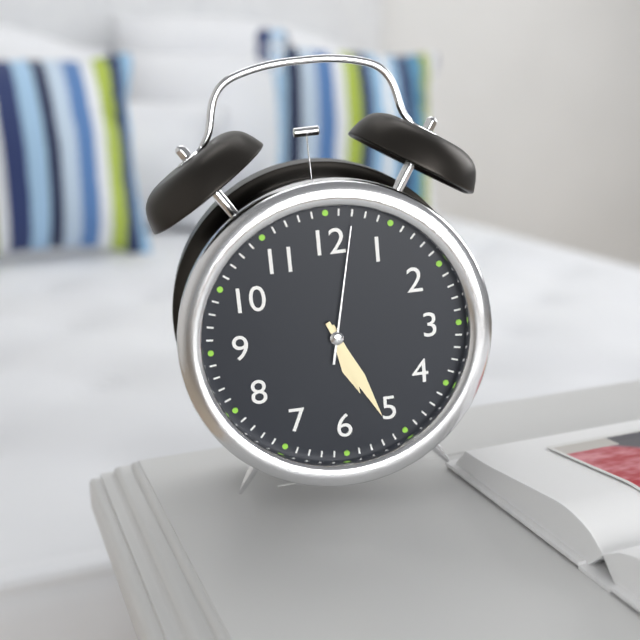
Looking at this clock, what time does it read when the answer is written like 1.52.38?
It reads 5.26.02
